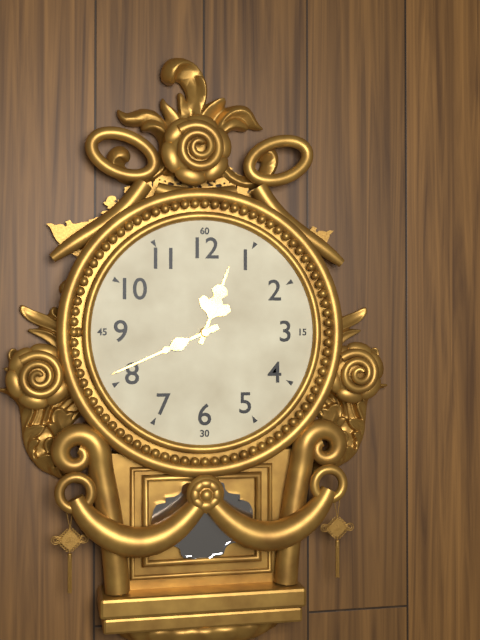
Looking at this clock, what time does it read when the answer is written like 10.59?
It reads 12.41
